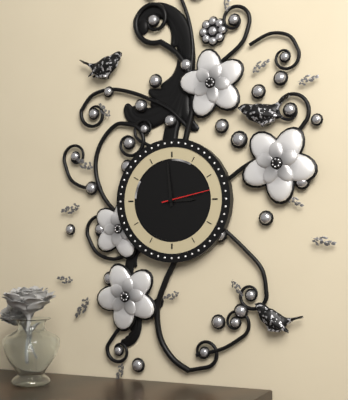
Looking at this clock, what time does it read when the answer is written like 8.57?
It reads 2.59
